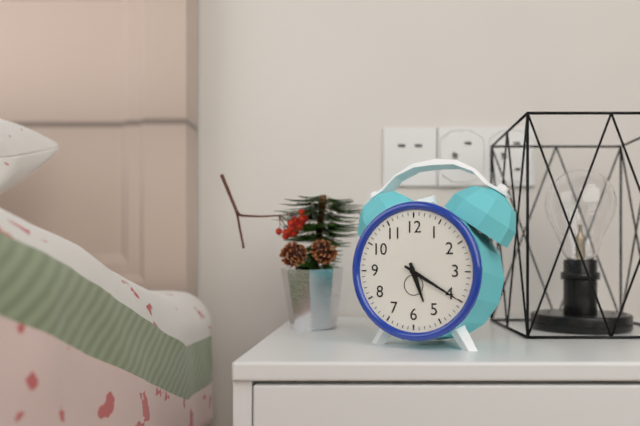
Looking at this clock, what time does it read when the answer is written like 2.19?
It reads 5.20
